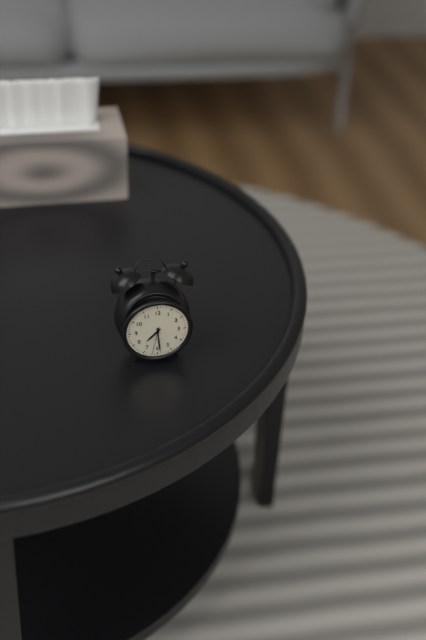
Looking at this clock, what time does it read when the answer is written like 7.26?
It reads 7.29
